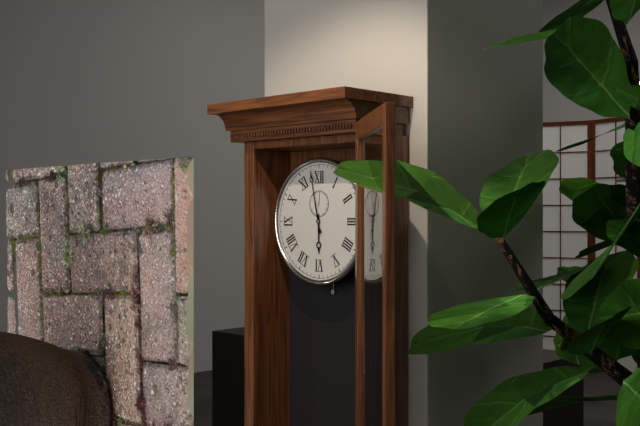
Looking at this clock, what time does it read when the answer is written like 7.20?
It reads 5.58
